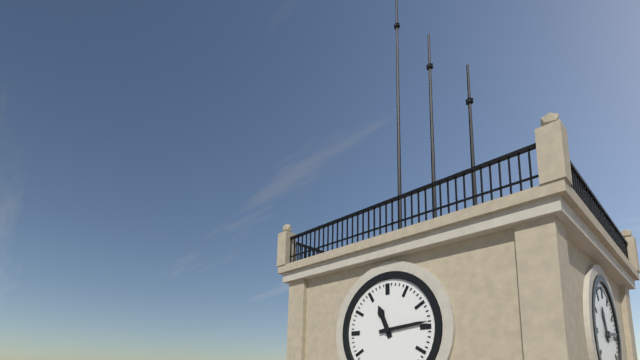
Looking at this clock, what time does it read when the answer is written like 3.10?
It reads 11.14
